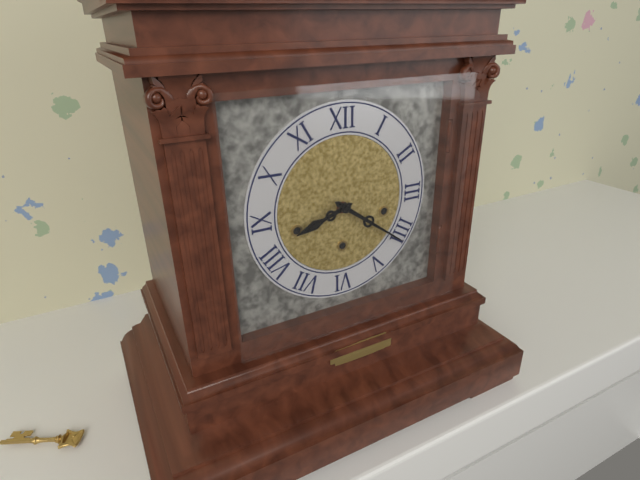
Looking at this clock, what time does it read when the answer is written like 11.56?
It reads 8.21
